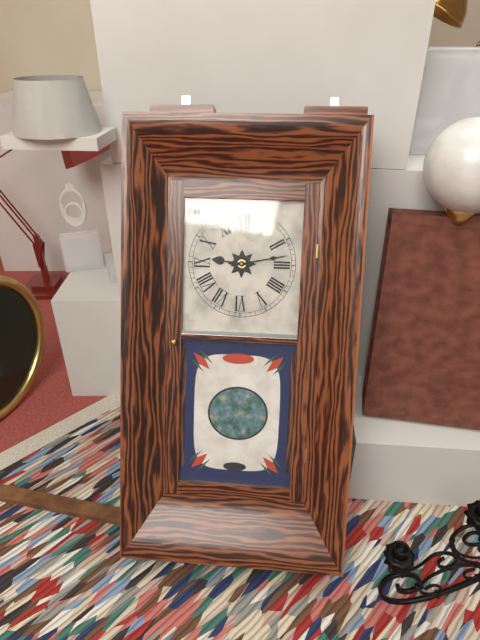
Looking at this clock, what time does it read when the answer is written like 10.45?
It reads 9.13
